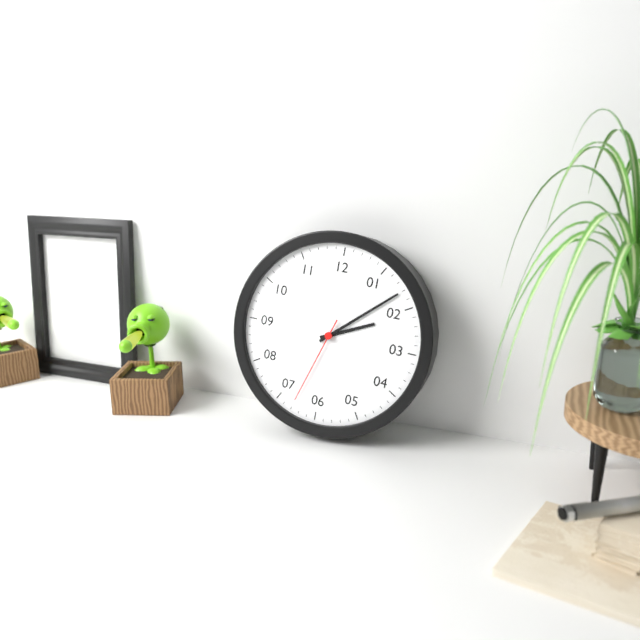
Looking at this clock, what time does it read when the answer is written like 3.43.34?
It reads 2.08.33
